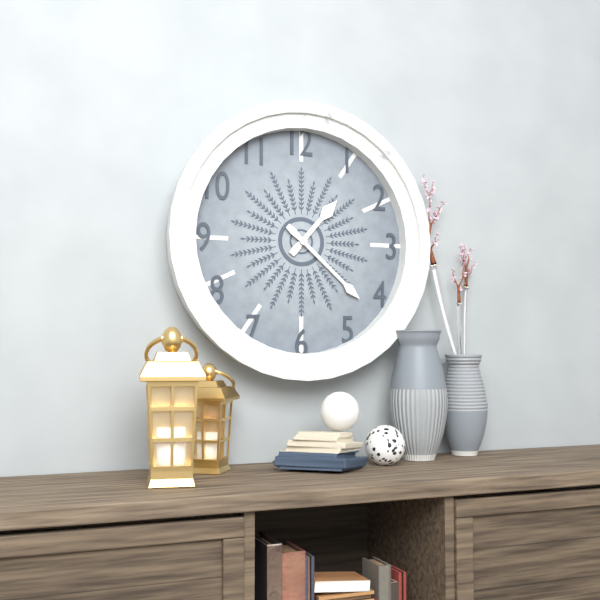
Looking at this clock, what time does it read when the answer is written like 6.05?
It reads 1.22
